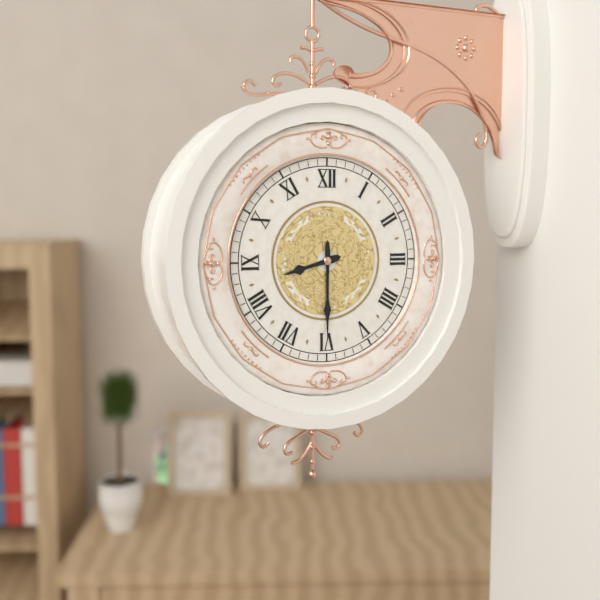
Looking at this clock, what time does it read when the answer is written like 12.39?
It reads 8.30
